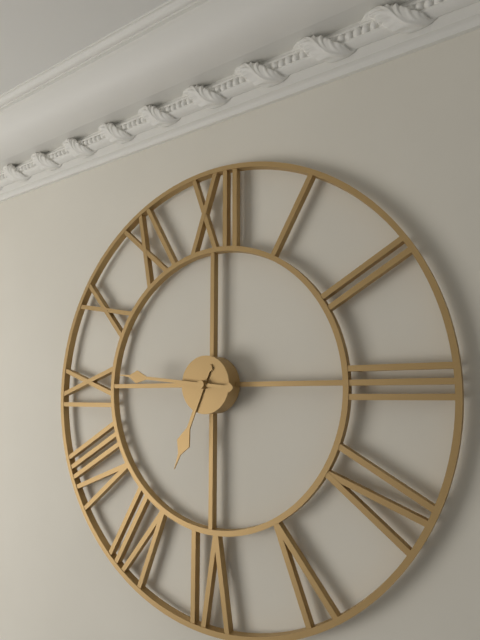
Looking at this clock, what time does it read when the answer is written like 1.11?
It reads 6.46
